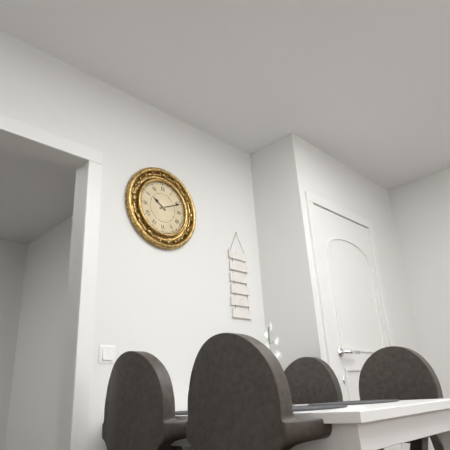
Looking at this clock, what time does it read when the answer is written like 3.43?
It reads 10.11
